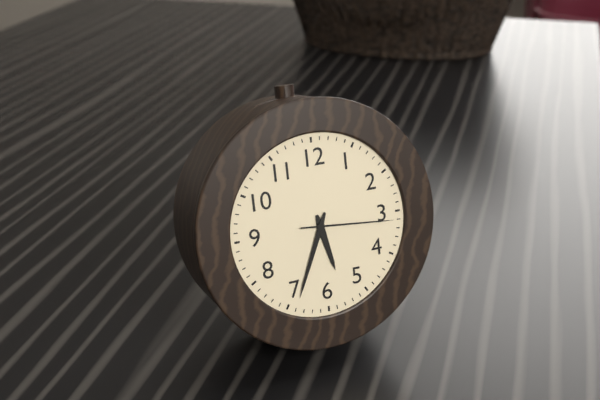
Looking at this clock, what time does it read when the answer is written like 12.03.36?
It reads 5.34.16
